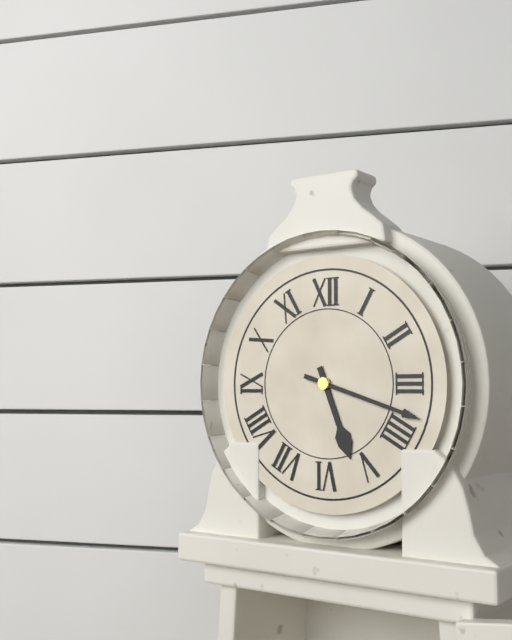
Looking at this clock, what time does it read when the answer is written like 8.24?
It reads 5.18
